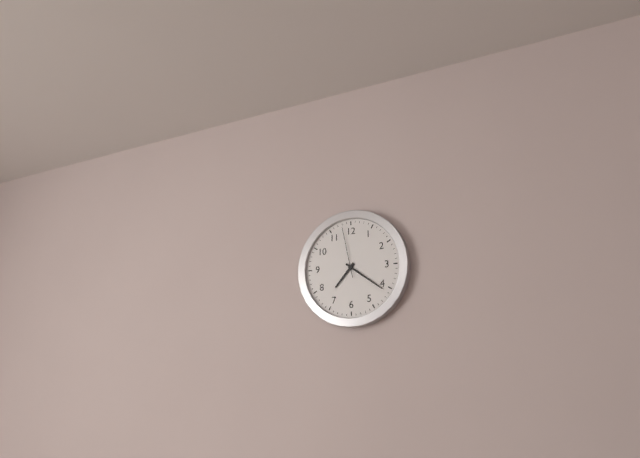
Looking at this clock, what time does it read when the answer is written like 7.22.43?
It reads 7.21.58
